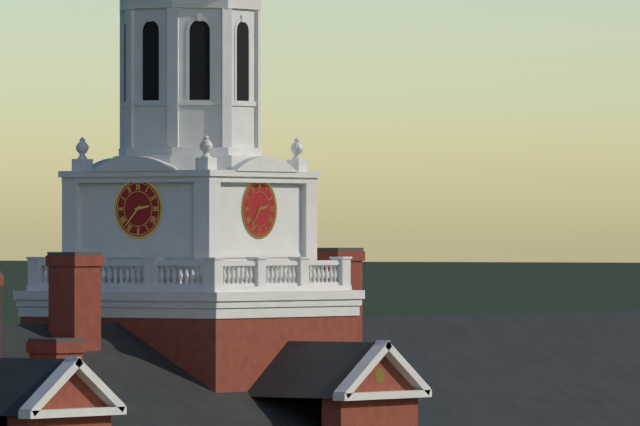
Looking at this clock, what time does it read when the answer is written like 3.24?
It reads 2.37
